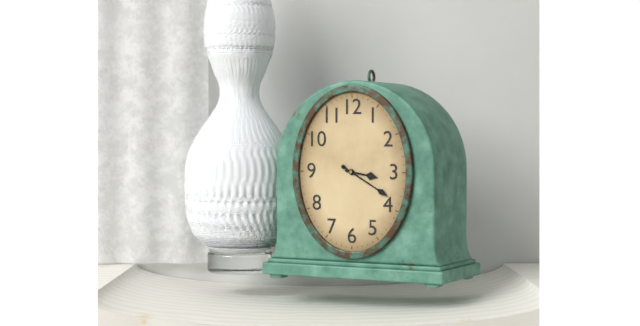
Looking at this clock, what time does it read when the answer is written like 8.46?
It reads 3.20
